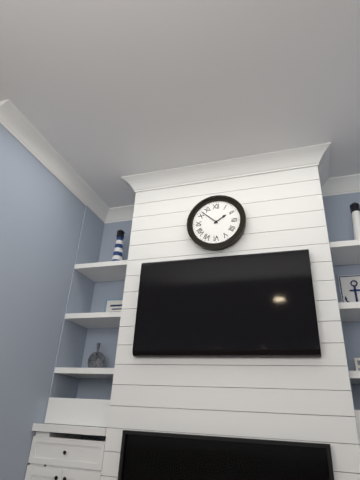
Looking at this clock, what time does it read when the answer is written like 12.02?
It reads 1.52
